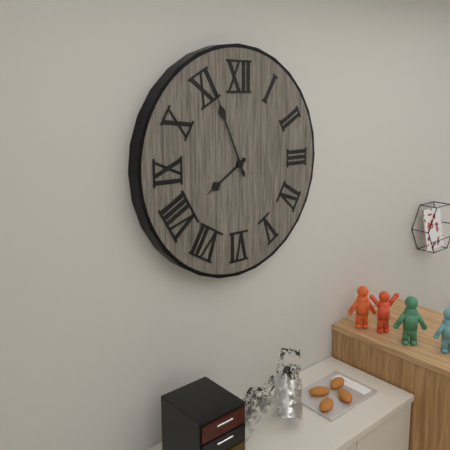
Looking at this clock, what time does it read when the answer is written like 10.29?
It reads 7.56
